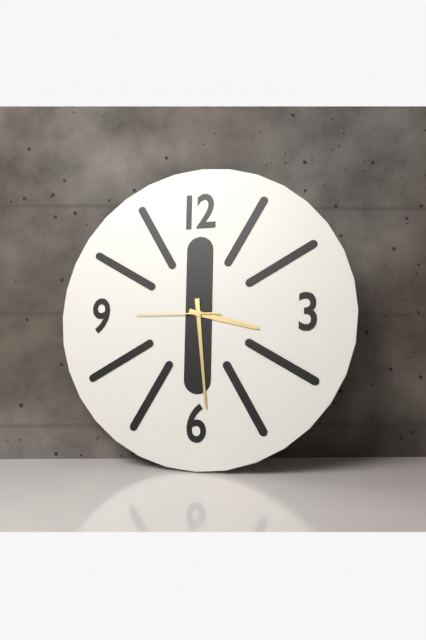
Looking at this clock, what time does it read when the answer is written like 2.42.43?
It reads 3.29.45
